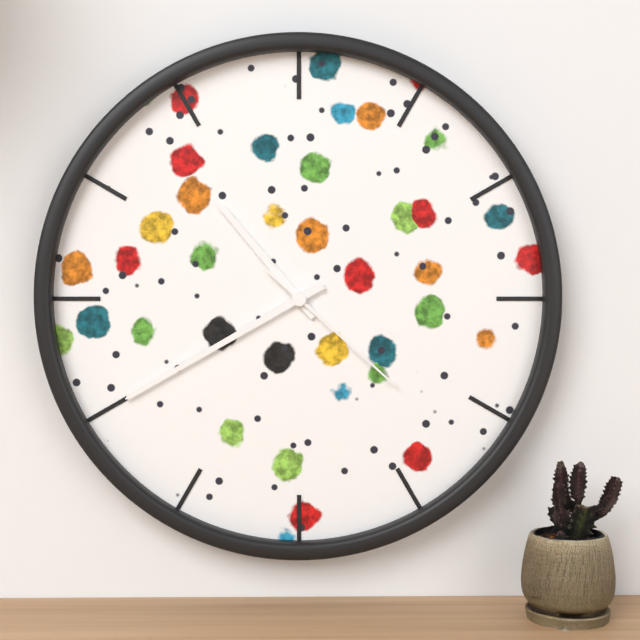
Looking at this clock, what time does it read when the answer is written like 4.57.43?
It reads 10.40.22
